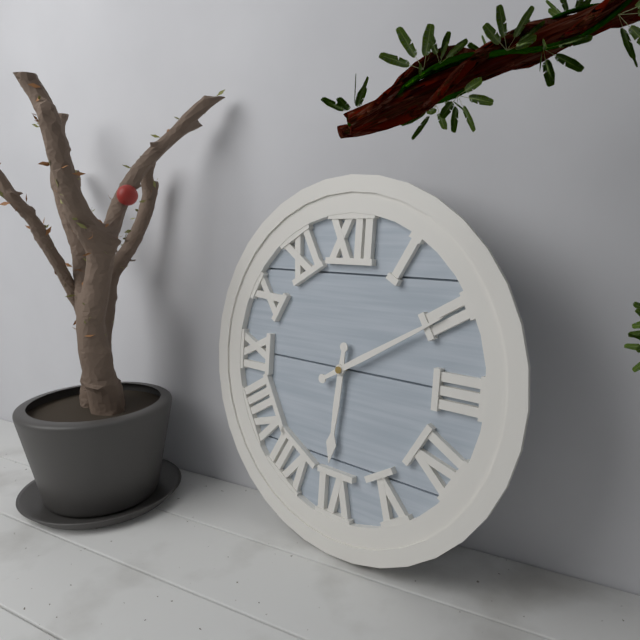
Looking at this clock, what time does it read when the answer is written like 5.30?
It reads 6.10
